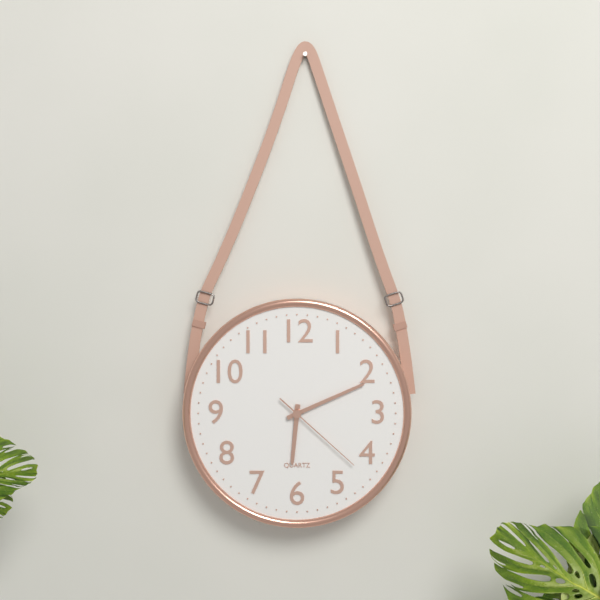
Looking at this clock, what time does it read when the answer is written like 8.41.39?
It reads 6.11.22
